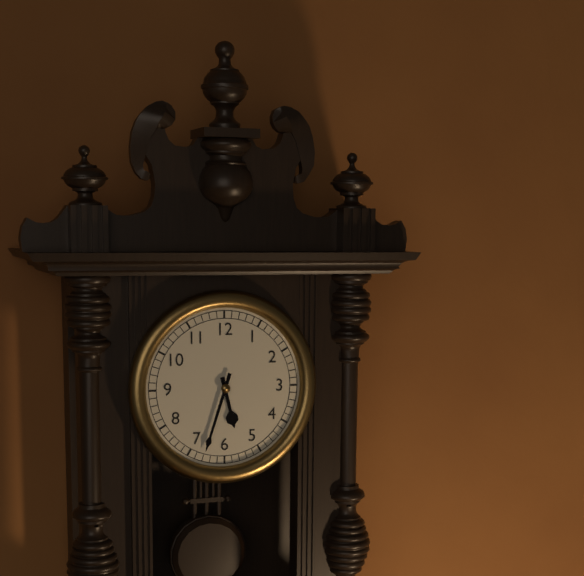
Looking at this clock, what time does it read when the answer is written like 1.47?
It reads 5.33
